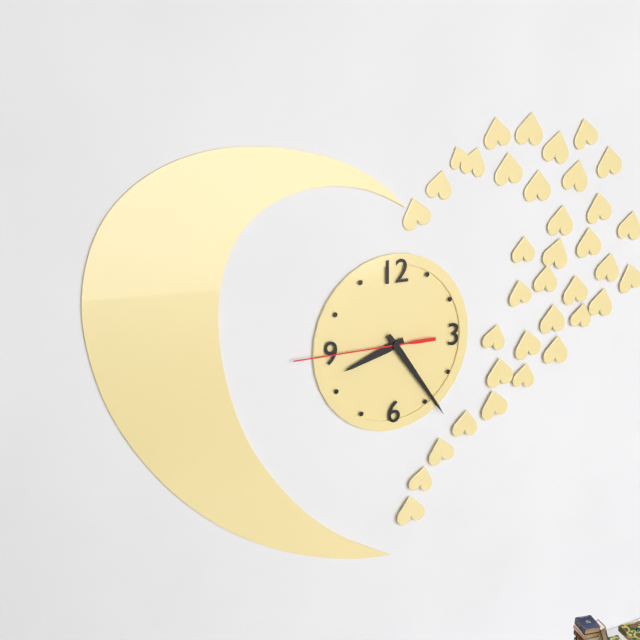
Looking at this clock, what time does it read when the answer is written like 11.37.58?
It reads 8.24.45
